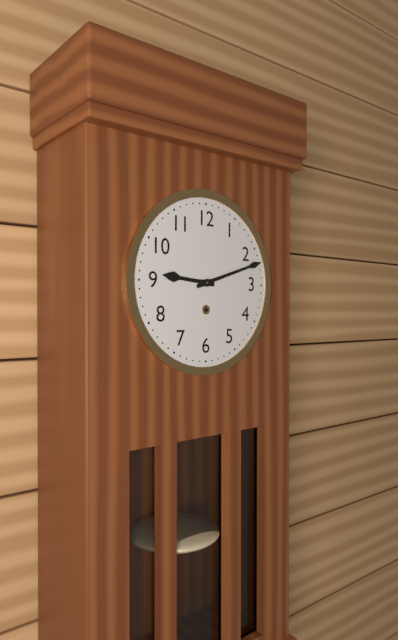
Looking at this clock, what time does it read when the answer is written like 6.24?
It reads 9.12
